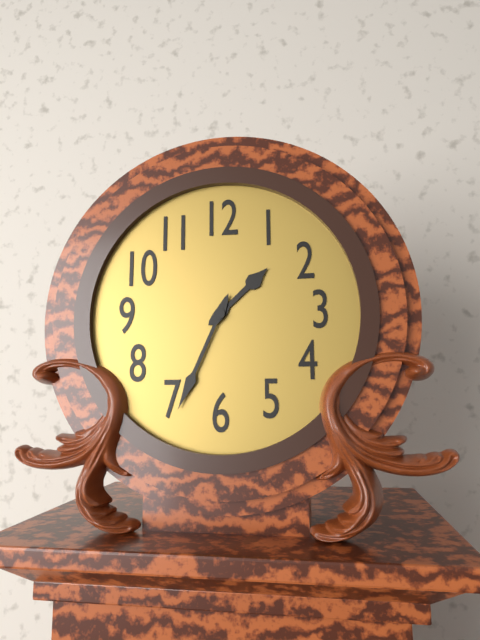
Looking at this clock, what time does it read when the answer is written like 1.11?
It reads 1.34
